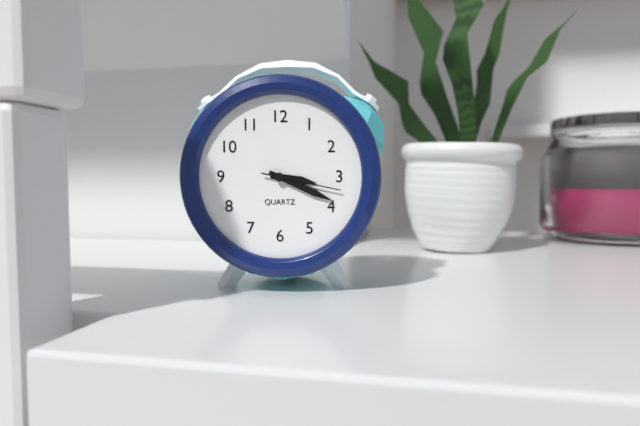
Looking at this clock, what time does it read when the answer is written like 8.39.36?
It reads 3.19.17
